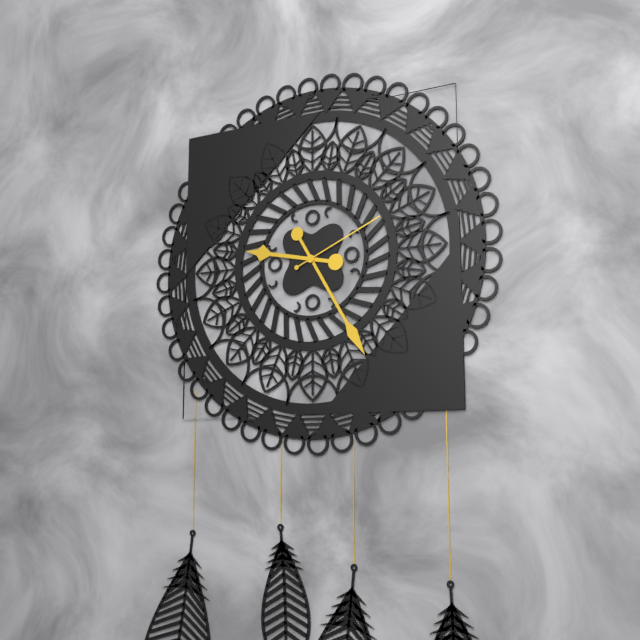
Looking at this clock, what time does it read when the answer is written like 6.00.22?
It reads 9.25.11
